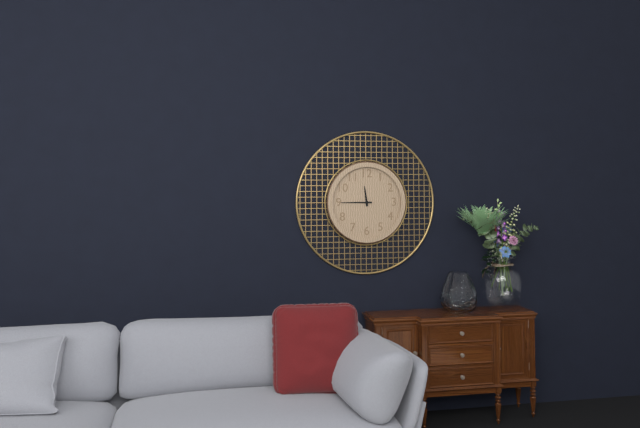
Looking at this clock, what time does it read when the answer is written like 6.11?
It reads 11.45
